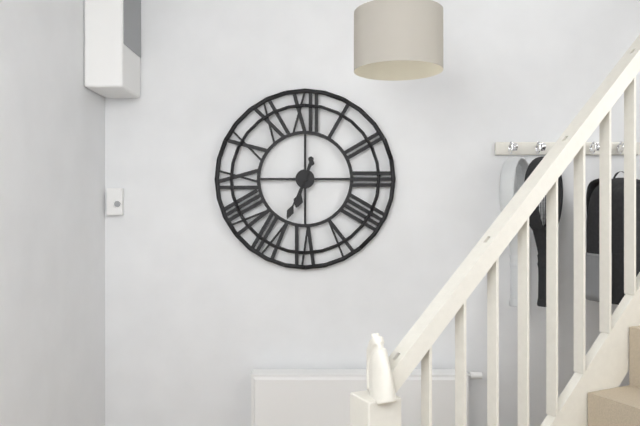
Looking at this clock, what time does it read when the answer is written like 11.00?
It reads 6.34
